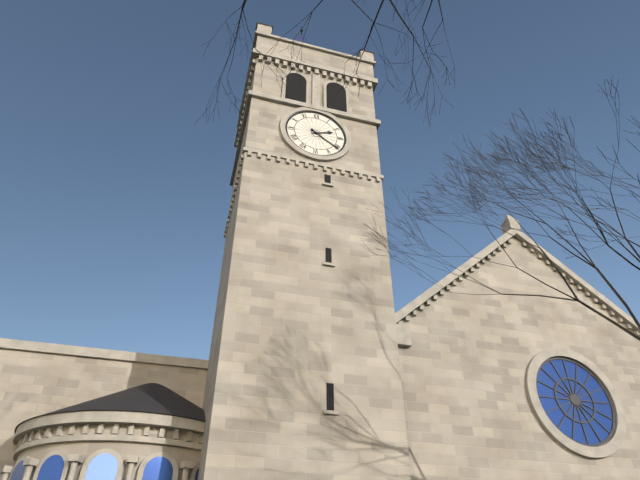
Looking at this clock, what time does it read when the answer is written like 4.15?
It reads 2.21
